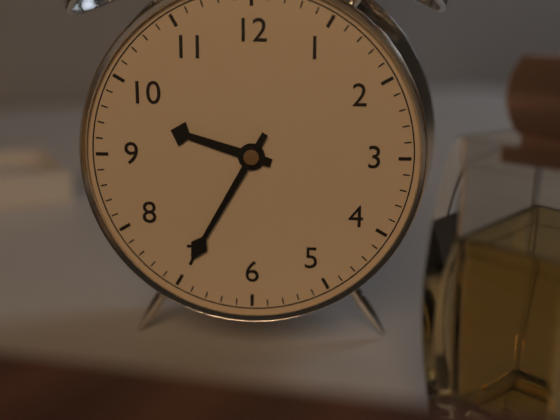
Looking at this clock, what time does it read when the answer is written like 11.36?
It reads 9.35
